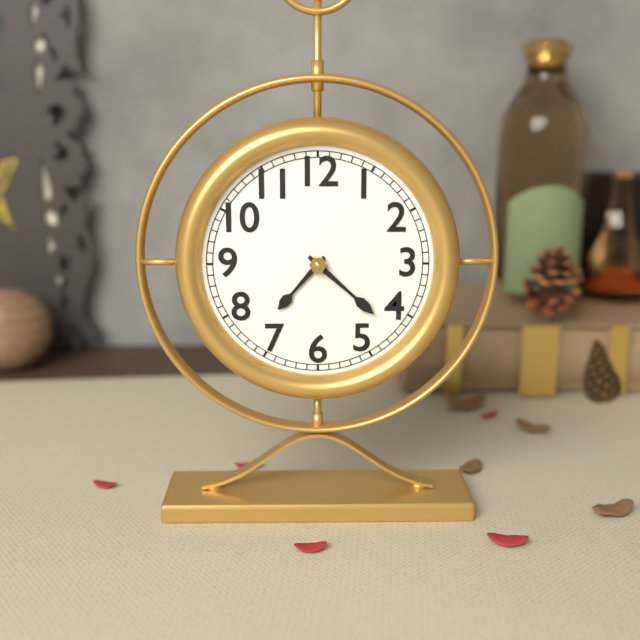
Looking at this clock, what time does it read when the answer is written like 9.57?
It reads 7.22
